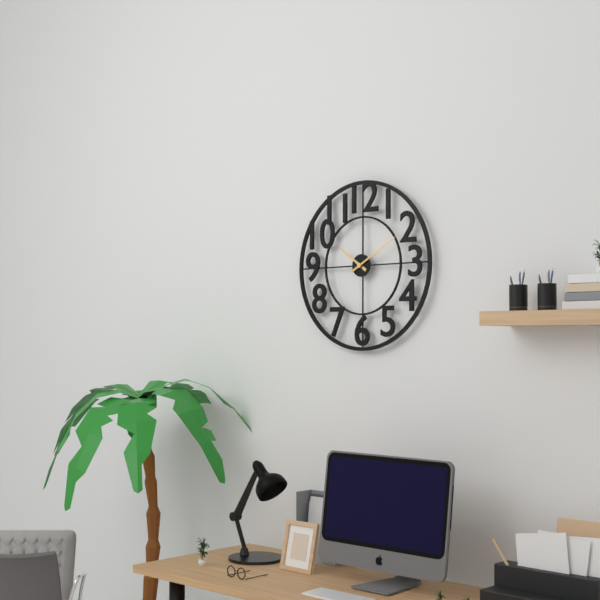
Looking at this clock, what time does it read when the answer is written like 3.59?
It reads 10.10
